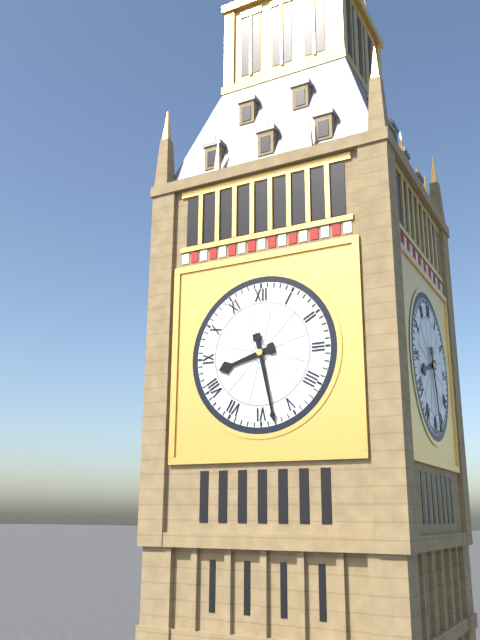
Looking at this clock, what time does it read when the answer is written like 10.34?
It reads 8.28
